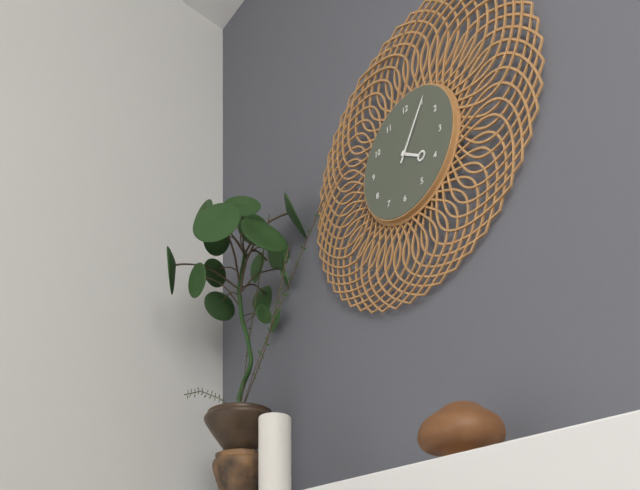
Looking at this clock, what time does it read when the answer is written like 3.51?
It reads 4.05
